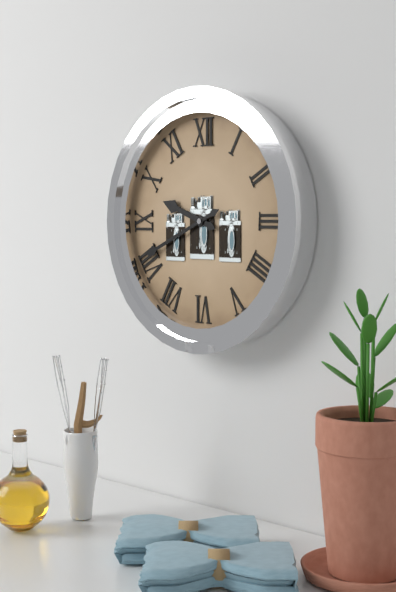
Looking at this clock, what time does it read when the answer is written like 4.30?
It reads 9.41
